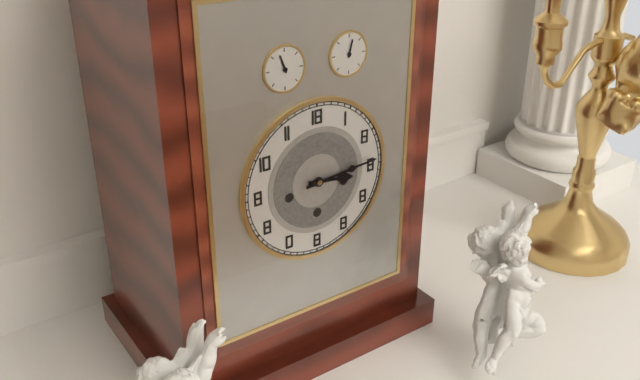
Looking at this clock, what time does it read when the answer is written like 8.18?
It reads 3.14
